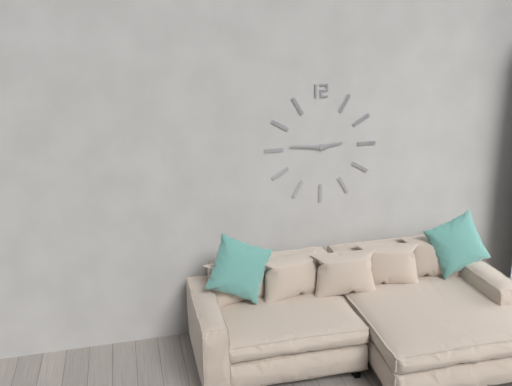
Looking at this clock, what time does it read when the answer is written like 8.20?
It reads 2.46
